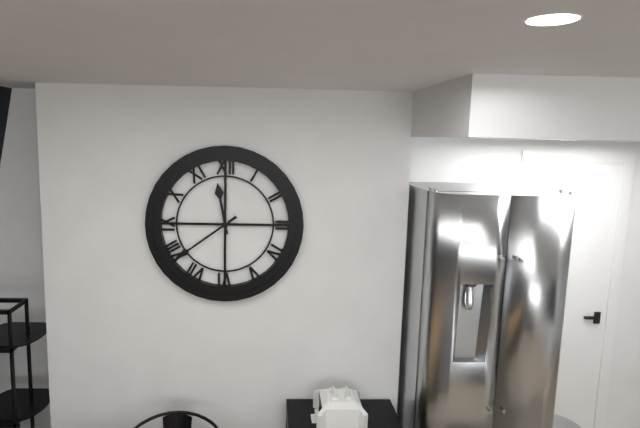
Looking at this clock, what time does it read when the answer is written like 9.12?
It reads 11.39
